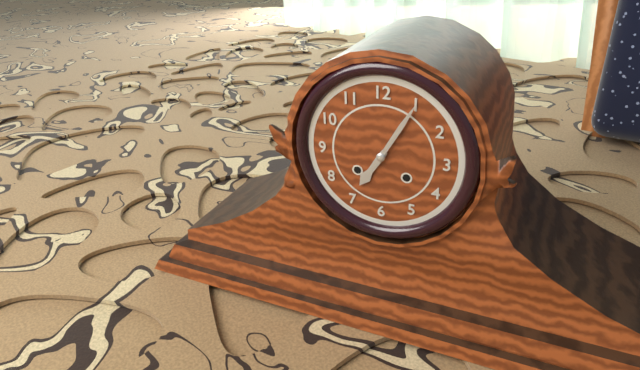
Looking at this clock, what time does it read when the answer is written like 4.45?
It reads 7.05
